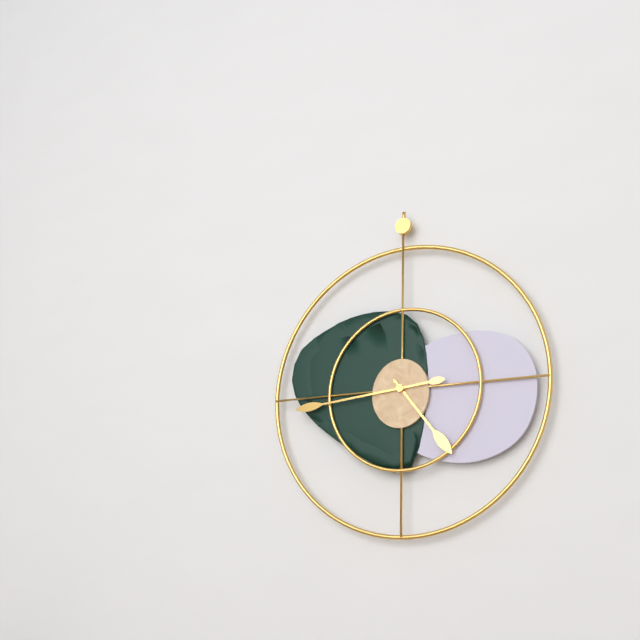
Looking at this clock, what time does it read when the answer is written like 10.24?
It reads 4.44
